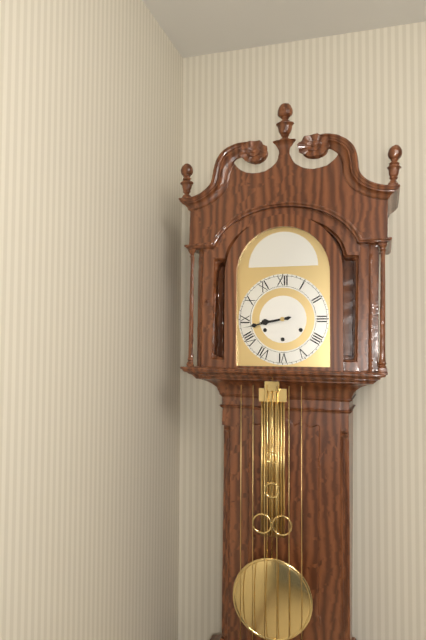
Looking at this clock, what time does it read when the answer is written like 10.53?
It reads 8.43
